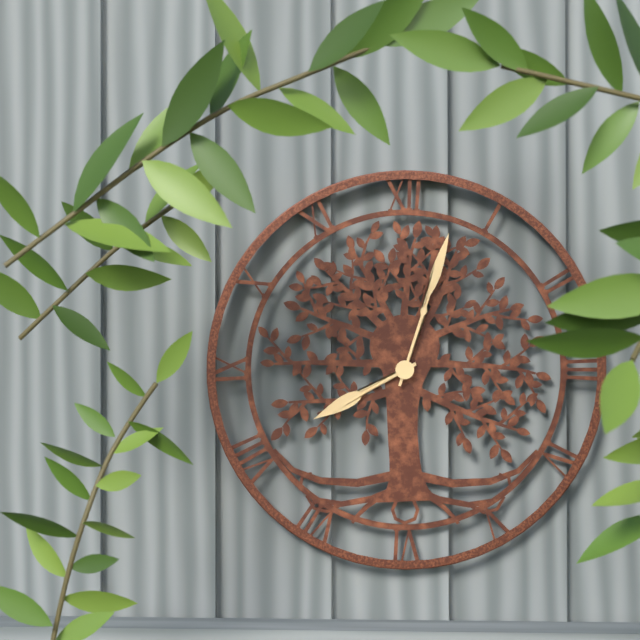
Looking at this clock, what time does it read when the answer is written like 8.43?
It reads 8.03
